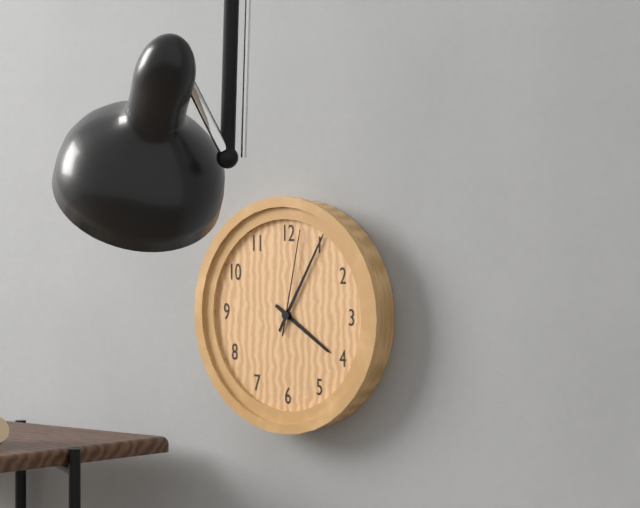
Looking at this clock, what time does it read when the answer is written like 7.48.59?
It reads 4.05.02
